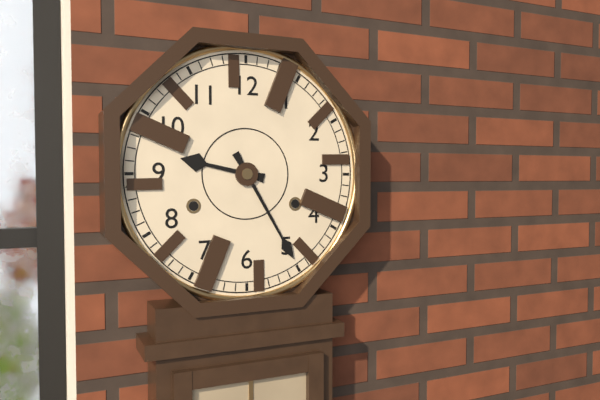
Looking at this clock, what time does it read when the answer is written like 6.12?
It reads 9.25
